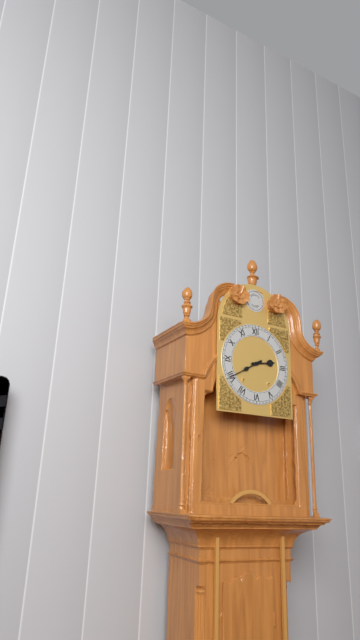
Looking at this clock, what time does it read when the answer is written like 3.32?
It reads 2.40
